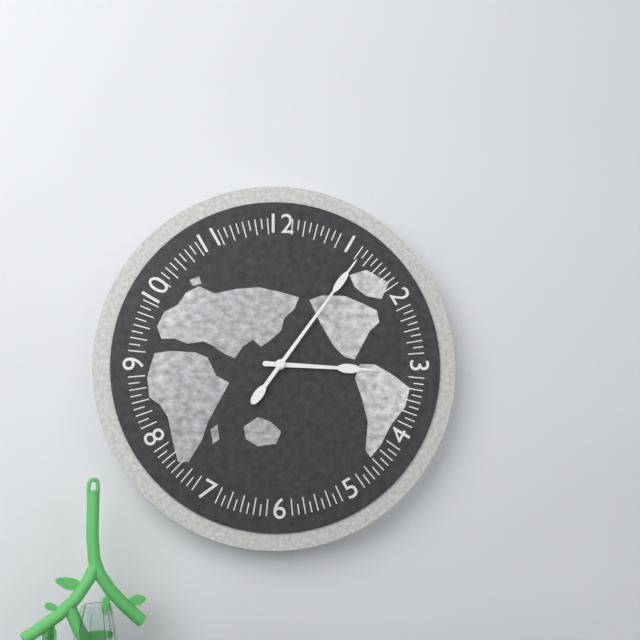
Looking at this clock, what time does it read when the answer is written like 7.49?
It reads 3.06
